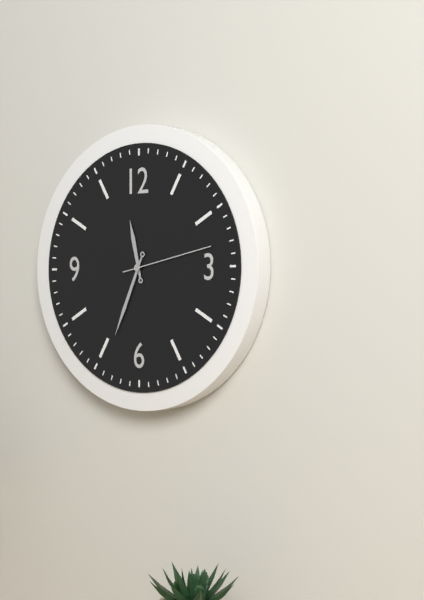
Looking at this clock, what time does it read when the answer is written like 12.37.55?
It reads 11.34.13
